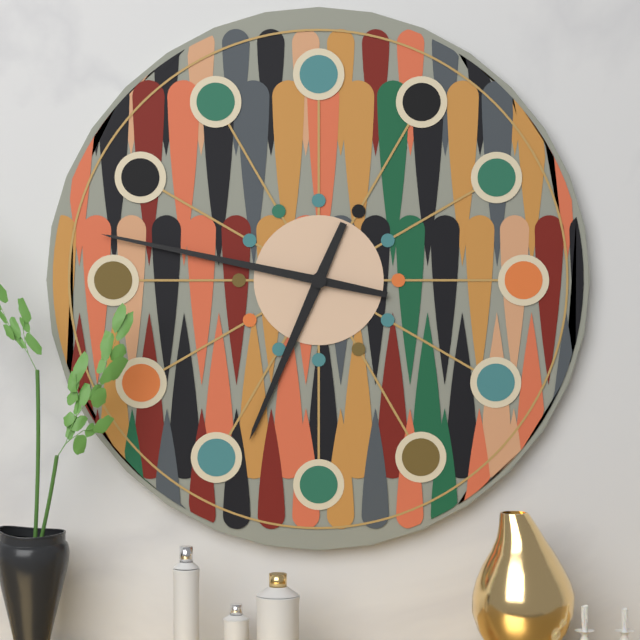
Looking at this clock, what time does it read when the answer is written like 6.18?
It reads 6.47
